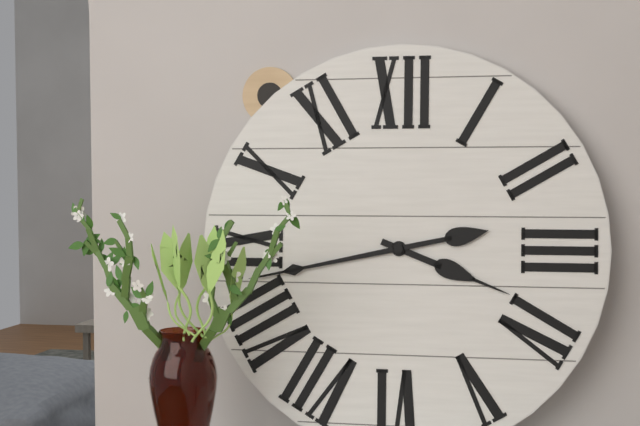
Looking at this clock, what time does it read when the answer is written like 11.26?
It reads 3.43
